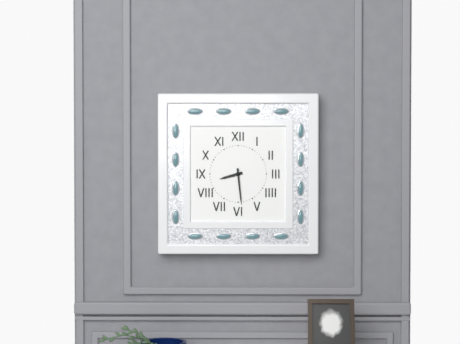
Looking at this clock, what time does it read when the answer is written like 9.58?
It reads 8.29
